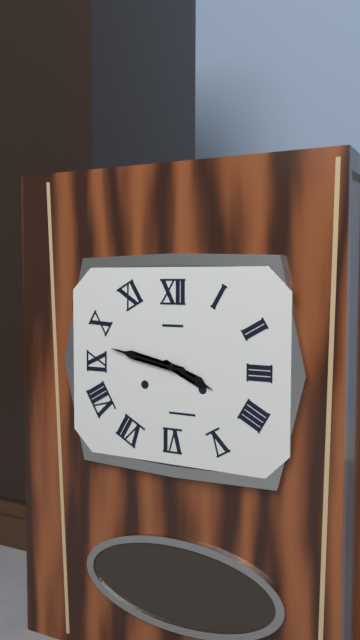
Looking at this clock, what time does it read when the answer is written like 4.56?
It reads 3.47
